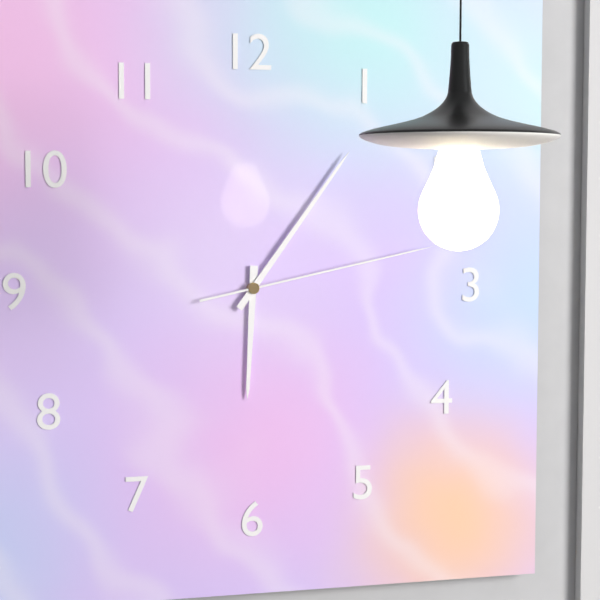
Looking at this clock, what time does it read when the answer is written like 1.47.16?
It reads 6.06.13
